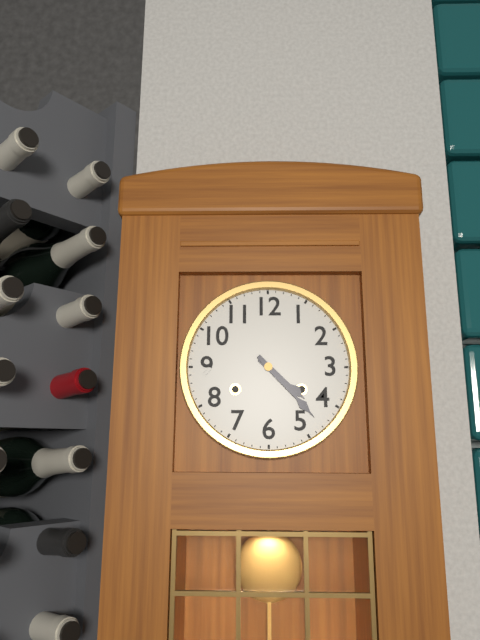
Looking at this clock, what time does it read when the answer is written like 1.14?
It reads 4.23
